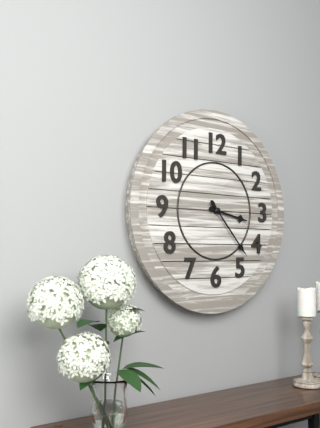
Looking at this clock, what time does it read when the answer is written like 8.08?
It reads 3.23
